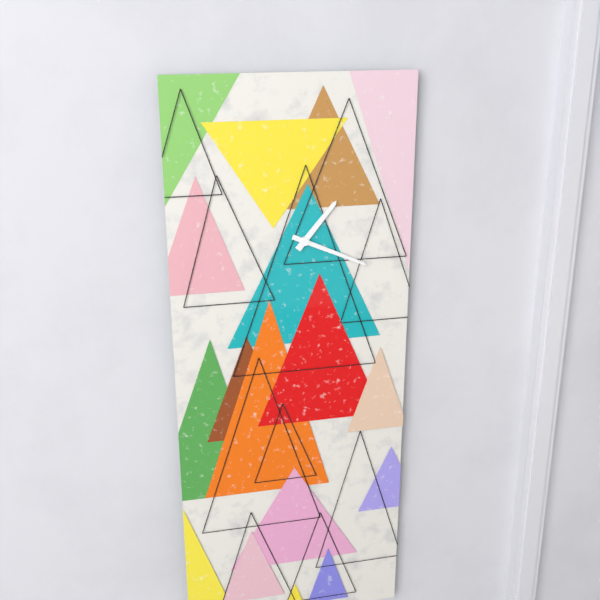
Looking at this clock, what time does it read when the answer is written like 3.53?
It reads 1.19
